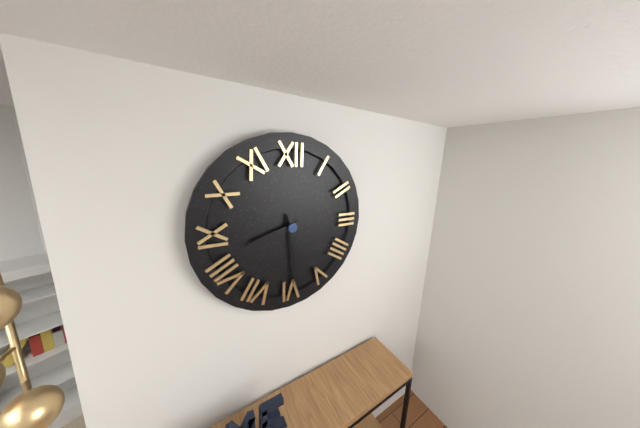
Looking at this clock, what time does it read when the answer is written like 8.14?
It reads 8.29
